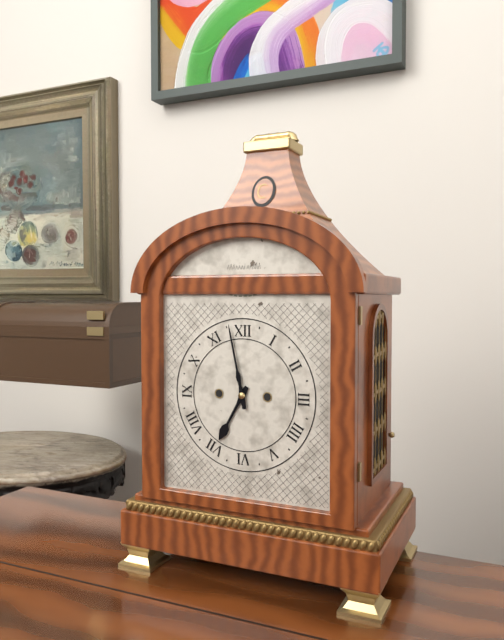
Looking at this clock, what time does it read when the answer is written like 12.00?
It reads 6.58
